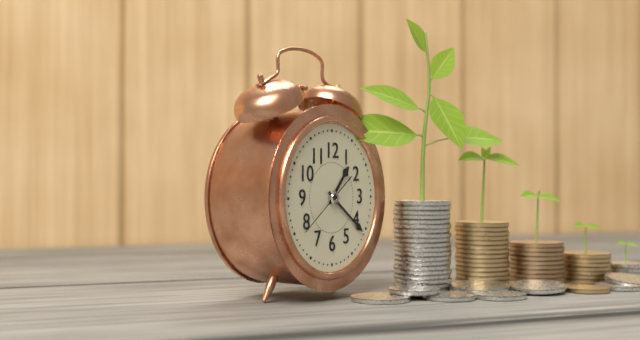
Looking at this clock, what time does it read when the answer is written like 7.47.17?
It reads 1.21.39
